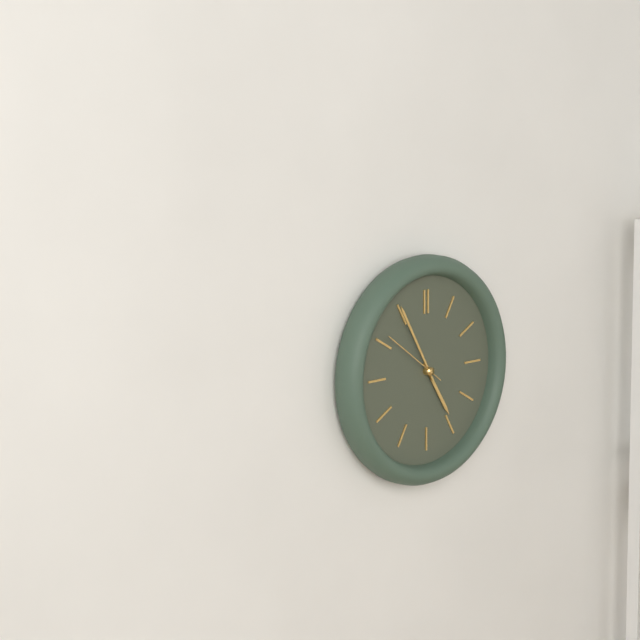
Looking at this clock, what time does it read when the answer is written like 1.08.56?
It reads 4.55.51
